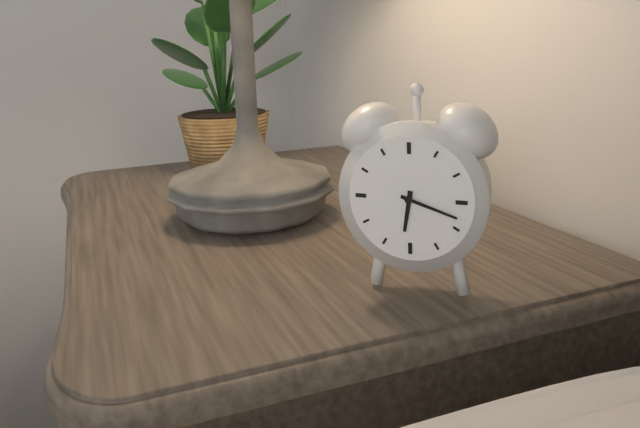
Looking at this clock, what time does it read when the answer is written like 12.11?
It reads 6.18
